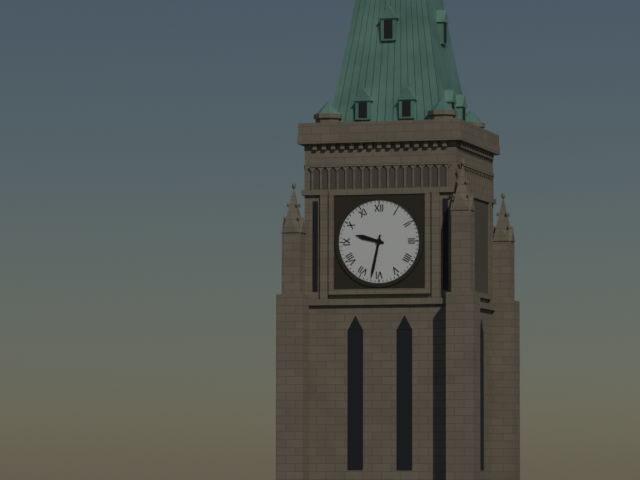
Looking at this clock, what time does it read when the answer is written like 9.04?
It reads 9.32
